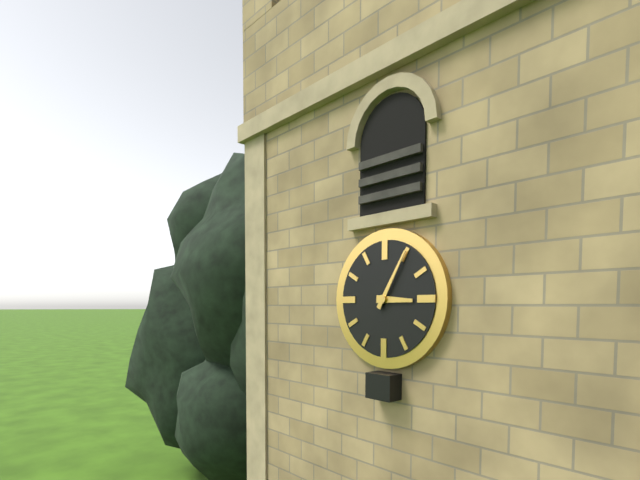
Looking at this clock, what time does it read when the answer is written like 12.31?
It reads 3.05
